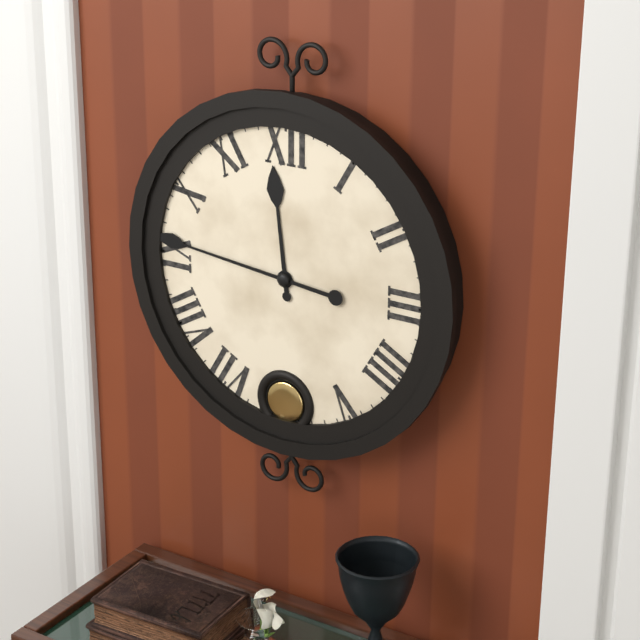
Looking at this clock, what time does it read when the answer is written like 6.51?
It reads 11.46
